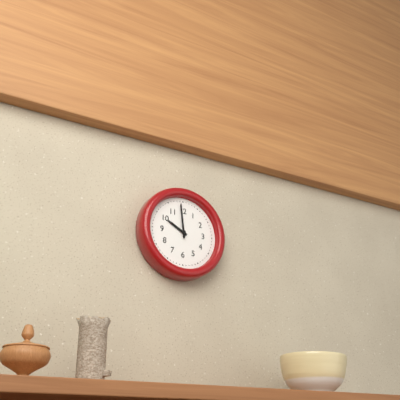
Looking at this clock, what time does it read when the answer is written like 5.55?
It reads 9.59
